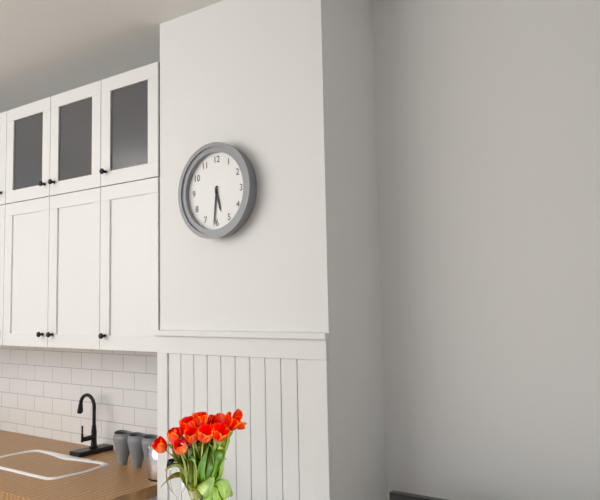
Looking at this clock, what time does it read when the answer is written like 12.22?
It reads 5.31
